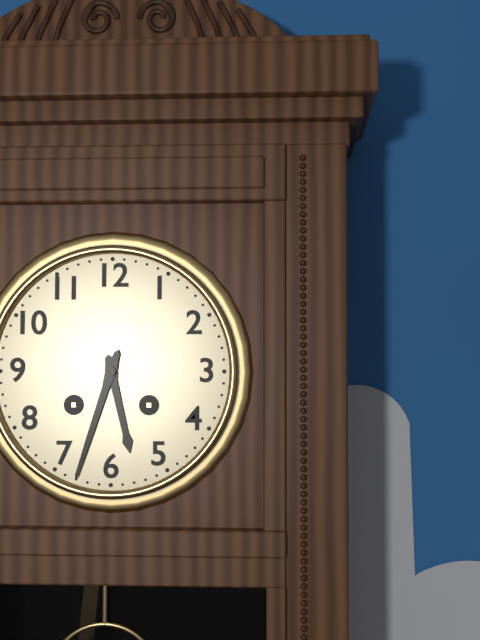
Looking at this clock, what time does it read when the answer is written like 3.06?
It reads 5.33
